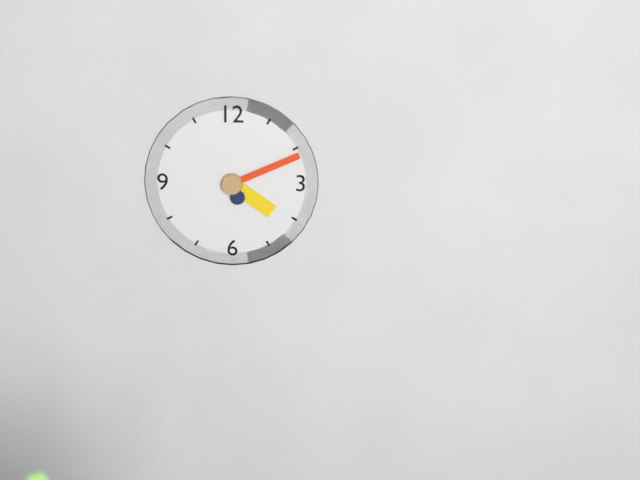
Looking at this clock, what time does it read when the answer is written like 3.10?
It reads 4.11
